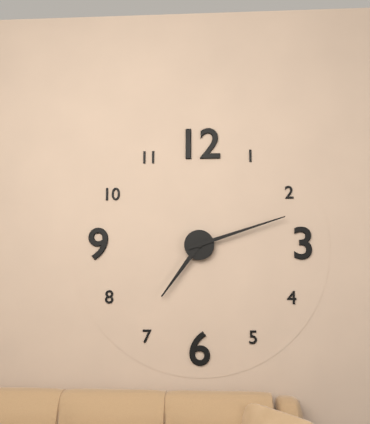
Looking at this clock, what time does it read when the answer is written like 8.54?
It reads 7.12
